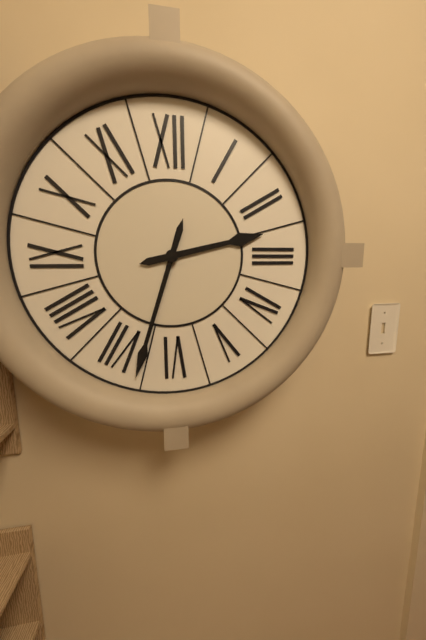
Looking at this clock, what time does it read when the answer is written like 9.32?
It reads 2.33
